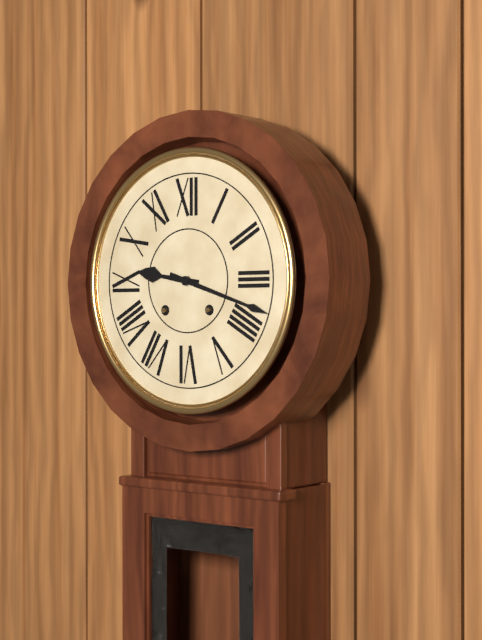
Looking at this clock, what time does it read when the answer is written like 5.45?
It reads 9.18
